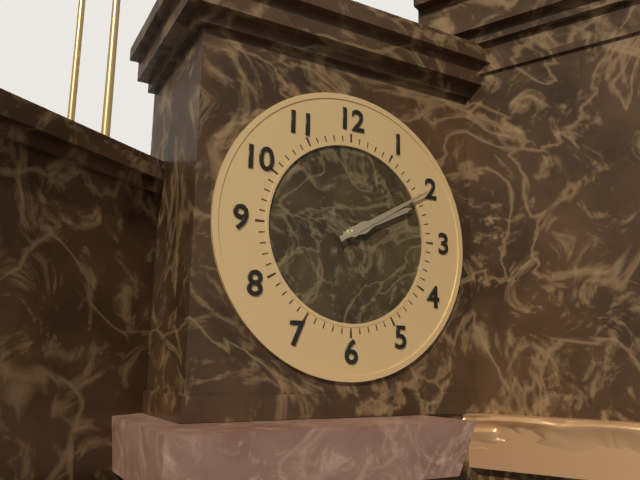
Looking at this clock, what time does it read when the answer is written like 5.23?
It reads 2.10
